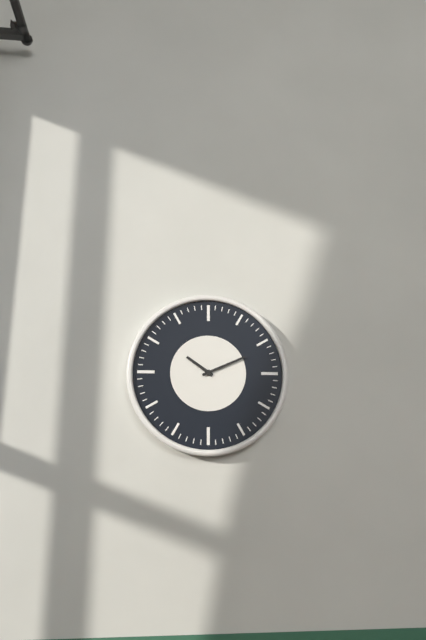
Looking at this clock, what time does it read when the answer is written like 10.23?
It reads 10.11
